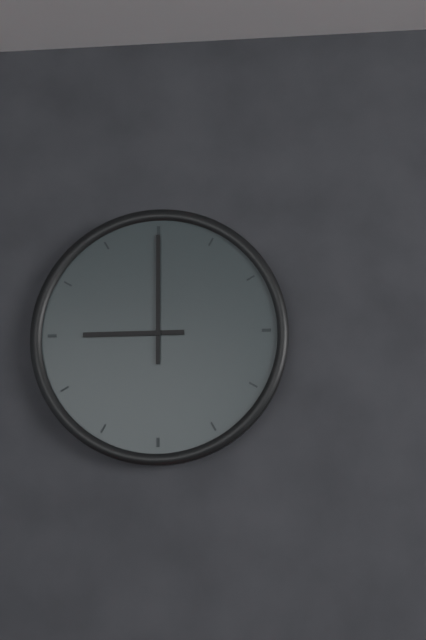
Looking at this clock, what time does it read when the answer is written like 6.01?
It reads 9.00
